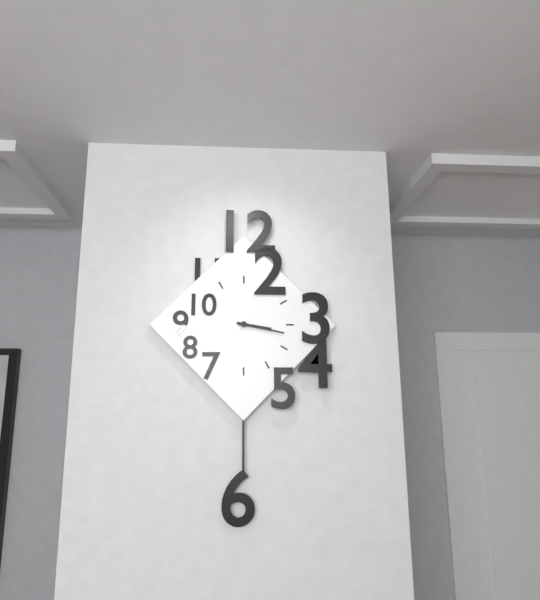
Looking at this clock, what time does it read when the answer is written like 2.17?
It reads 3.17
